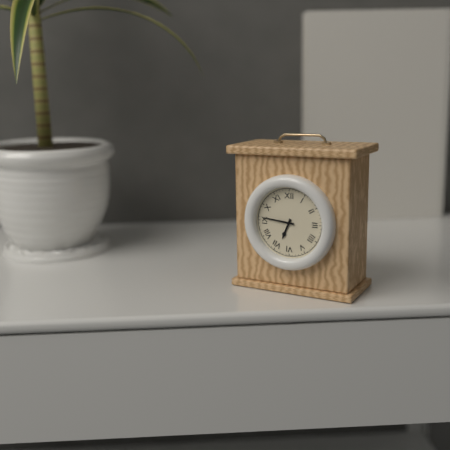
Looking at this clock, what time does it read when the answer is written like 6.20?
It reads 6.46
